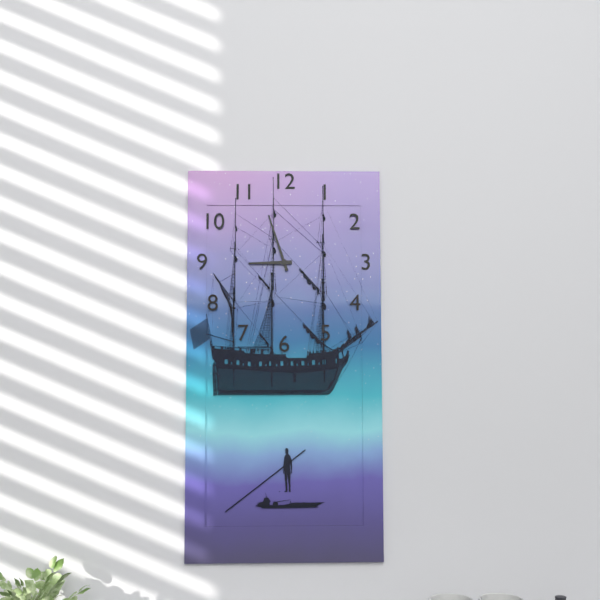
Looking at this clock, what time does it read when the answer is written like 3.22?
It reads 8.57
